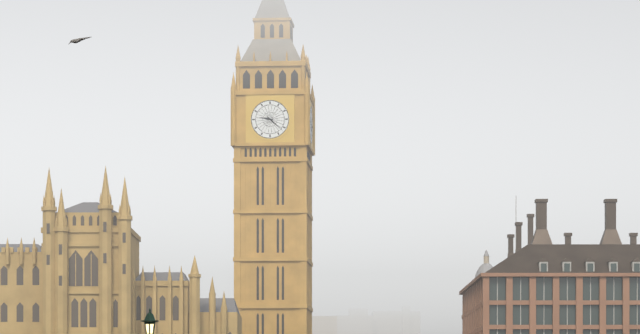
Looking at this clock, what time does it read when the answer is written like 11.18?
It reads 9.22
